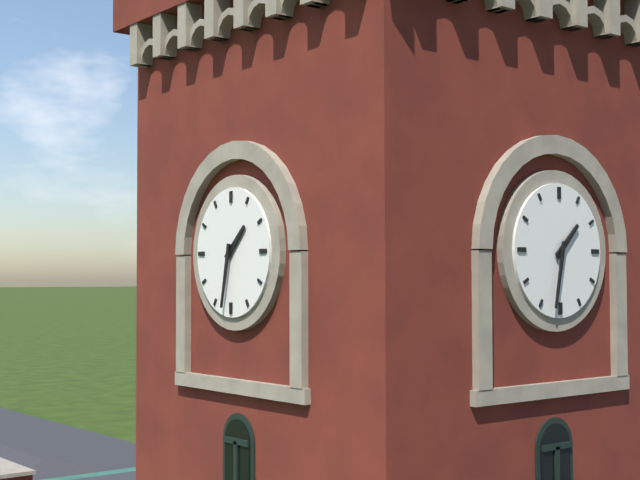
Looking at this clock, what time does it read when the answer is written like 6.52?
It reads 1.32
